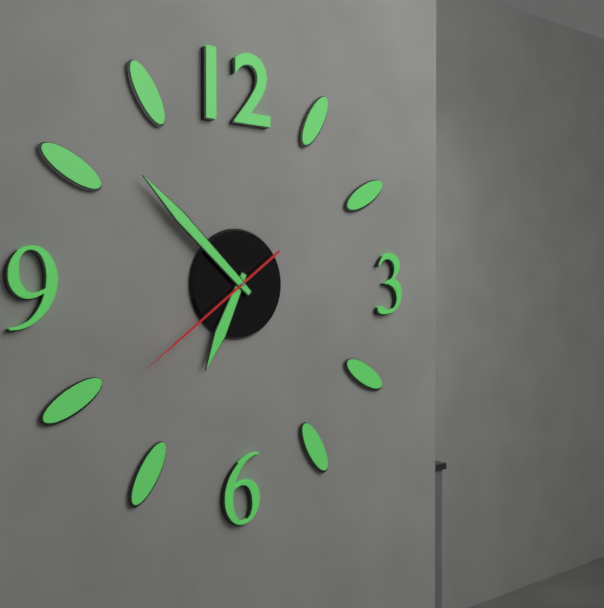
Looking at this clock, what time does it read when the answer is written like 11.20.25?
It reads 6.52.39
